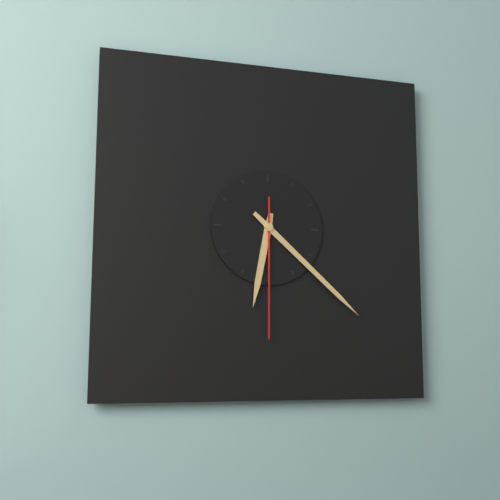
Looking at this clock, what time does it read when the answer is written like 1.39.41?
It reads 6.22.30
